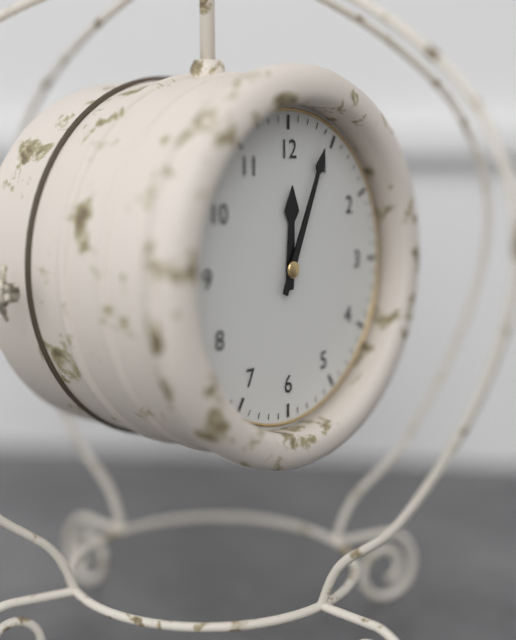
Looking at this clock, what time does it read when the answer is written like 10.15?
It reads 12.04
